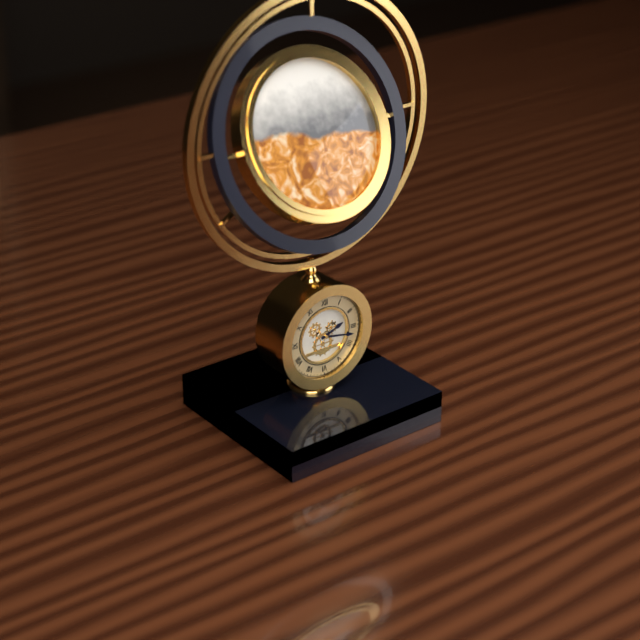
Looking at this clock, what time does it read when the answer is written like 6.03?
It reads 2.17
